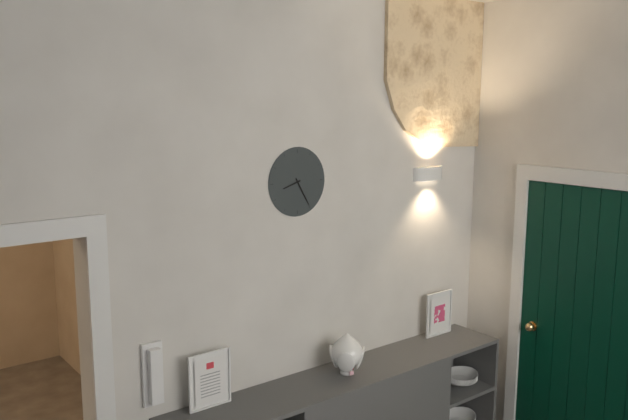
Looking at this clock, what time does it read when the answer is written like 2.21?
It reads 8.25
